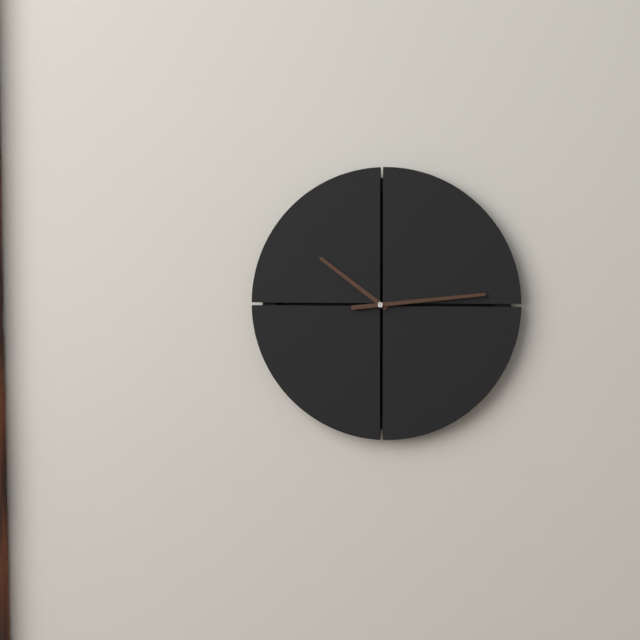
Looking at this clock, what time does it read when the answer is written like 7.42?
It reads 10.14
